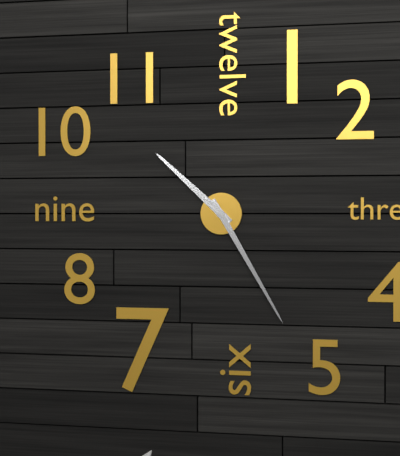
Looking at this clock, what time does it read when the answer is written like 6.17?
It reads 10.25
